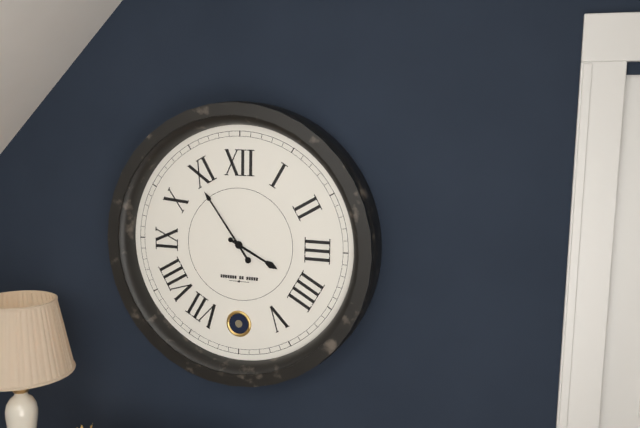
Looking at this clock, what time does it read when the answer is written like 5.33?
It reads 3.54
